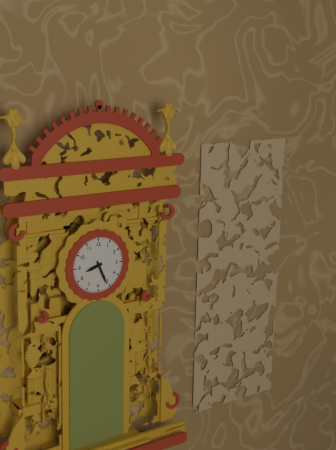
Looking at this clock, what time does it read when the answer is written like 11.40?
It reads 8.26
